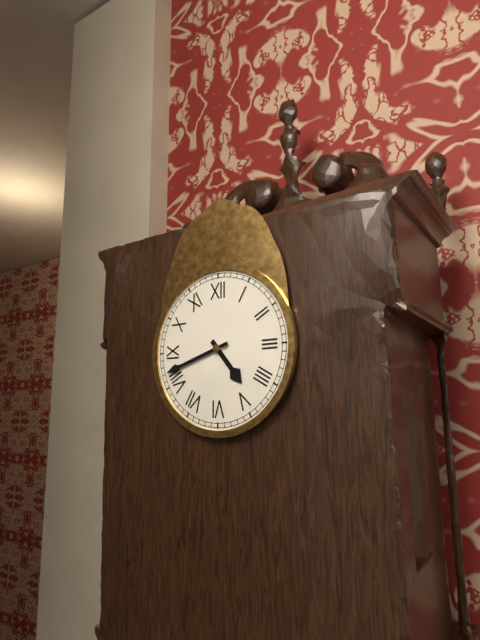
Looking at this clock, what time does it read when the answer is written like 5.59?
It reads 4.42
